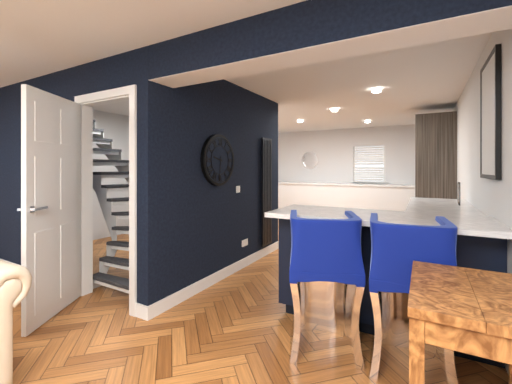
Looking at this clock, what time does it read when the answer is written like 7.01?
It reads 9.31
